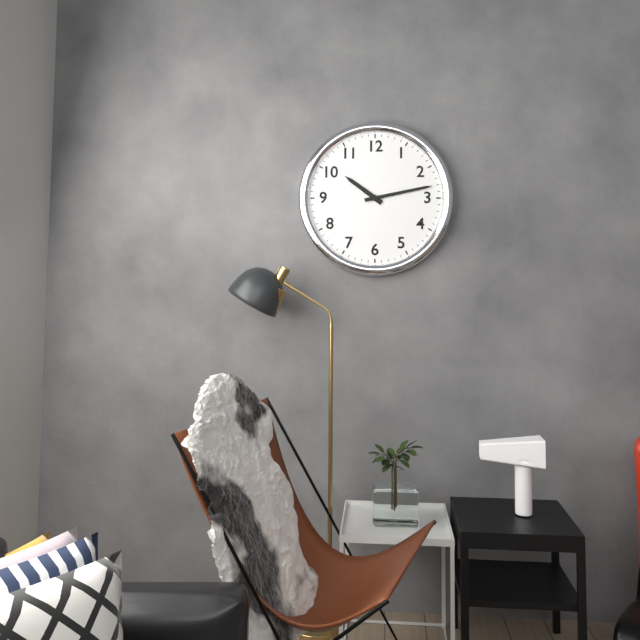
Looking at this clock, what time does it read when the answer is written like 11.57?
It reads 10.13
